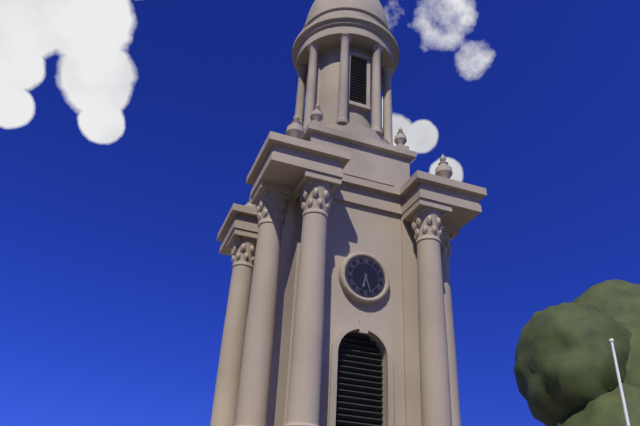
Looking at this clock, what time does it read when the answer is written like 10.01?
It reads 6.27
